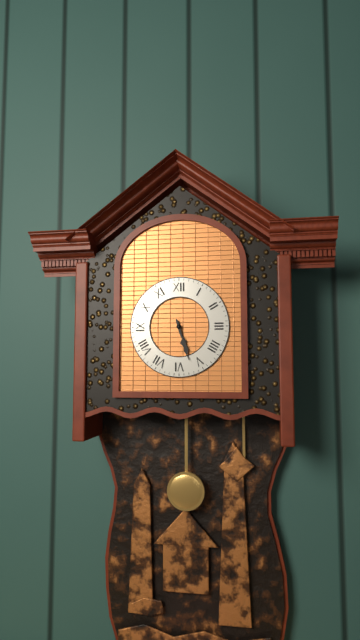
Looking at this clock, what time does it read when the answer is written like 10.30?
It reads 5.27
